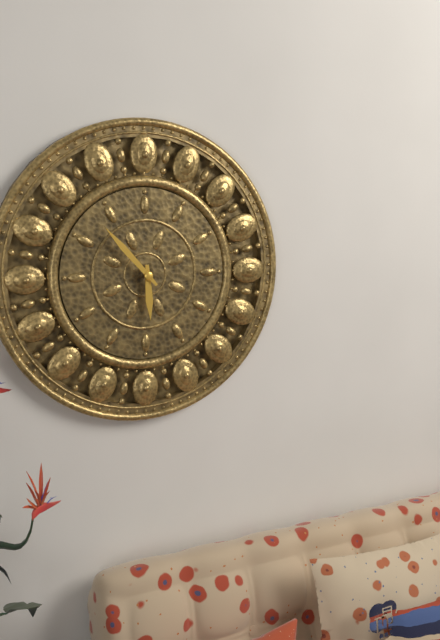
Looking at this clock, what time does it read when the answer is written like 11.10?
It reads 5.53
